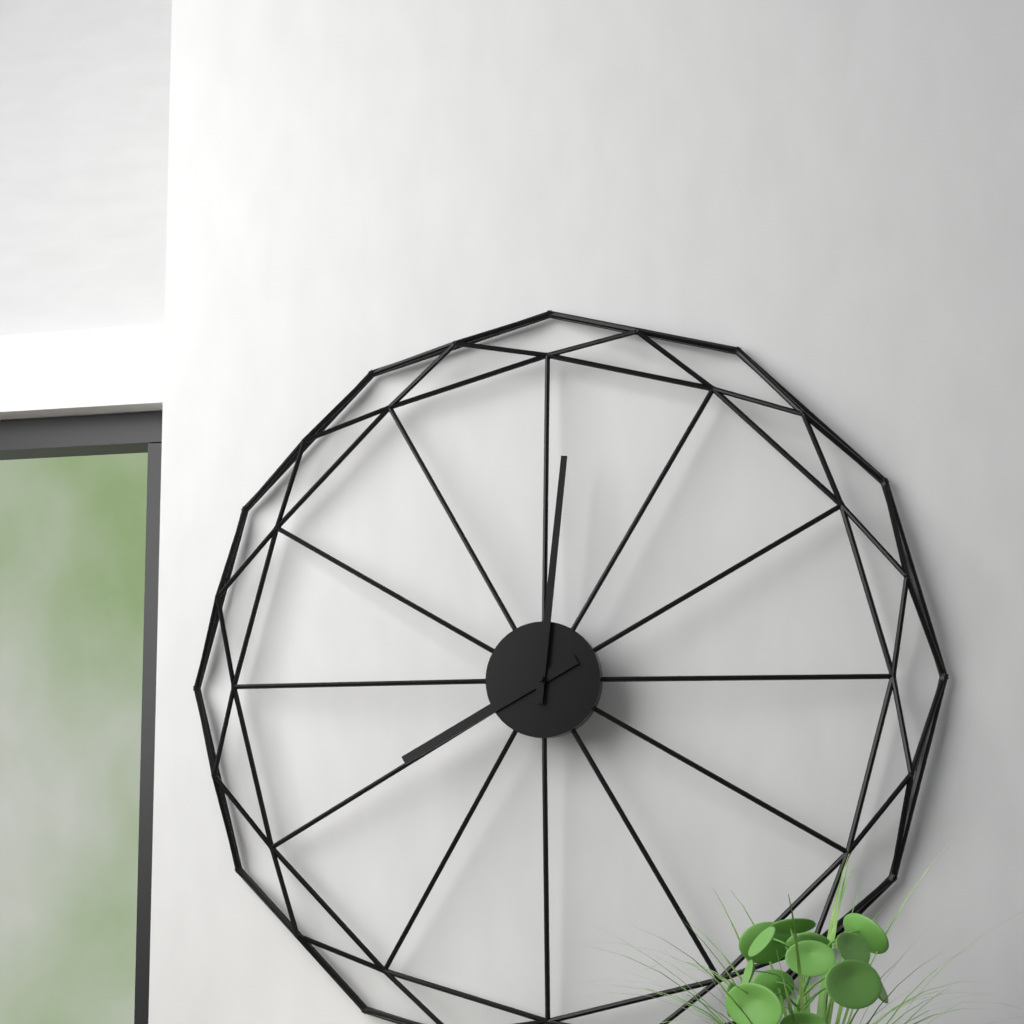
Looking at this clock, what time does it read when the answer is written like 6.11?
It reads 8.01
